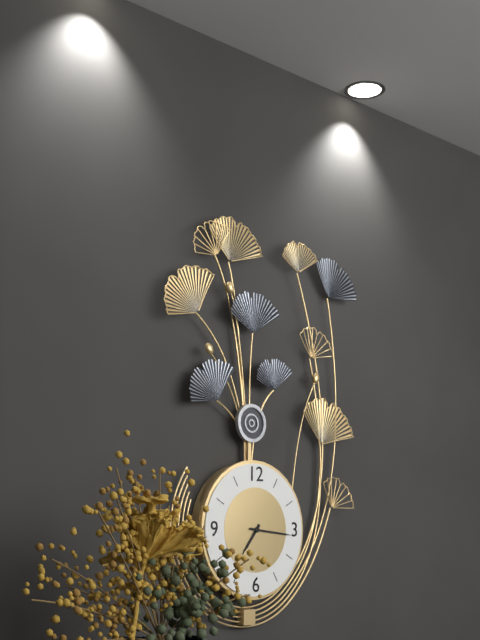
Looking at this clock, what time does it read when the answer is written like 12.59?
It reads 7.16
